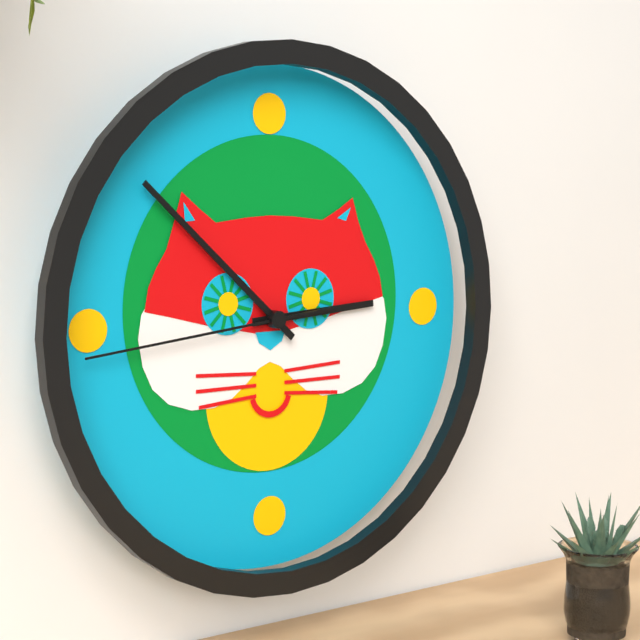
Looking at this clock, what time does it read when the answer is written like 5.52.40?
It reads 2.52.44
